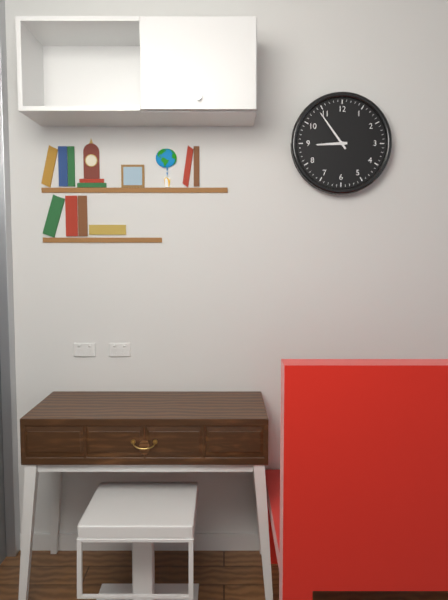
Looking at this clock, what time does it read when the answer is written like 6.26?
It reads 8.54
